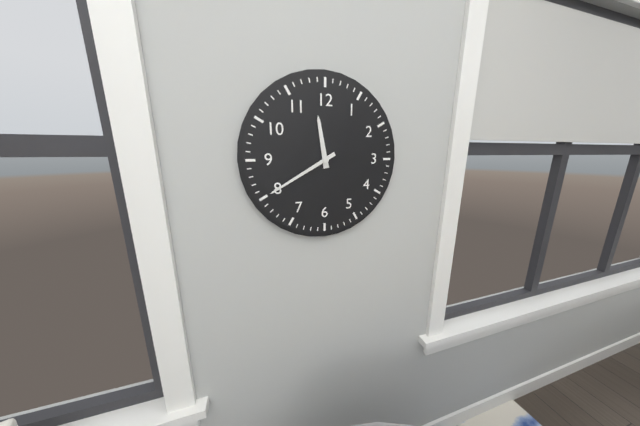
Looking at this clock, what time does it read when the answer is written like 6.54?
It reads 11.40
